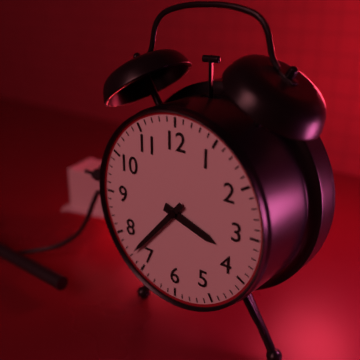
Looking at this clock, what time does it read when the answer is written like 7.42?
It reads 3.37
